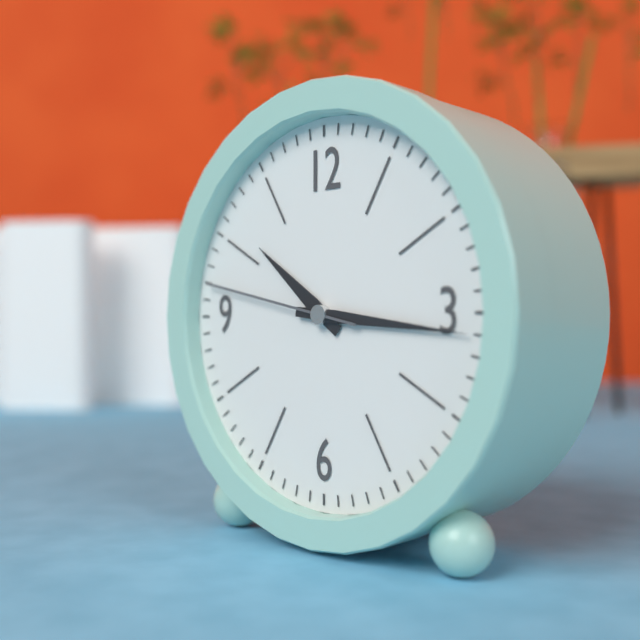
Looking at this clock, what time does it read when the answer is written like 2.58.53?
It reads 10.16.47
